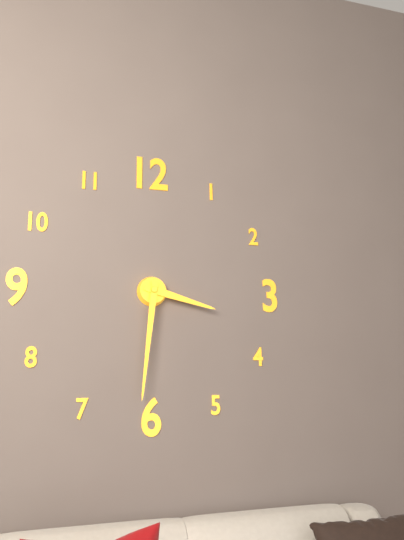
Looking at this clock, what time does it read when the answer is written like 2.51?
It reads 3.31
